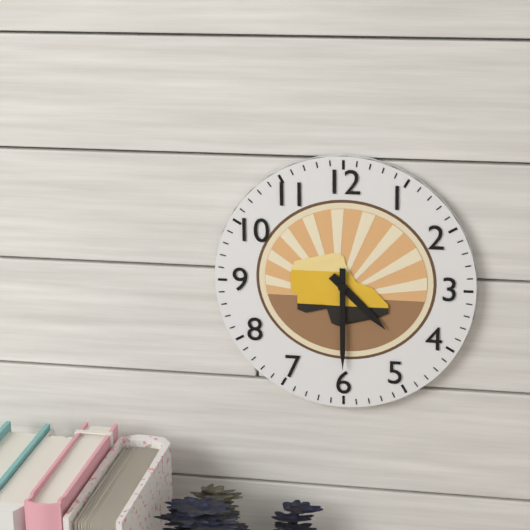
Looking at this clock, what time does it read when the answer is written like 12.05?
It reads 4.30
